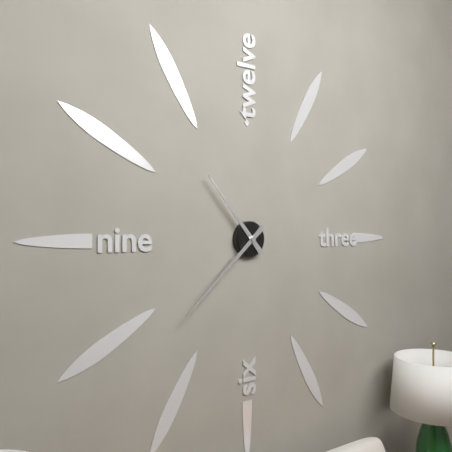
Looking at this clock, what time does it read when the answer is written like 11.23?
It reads 10.38
